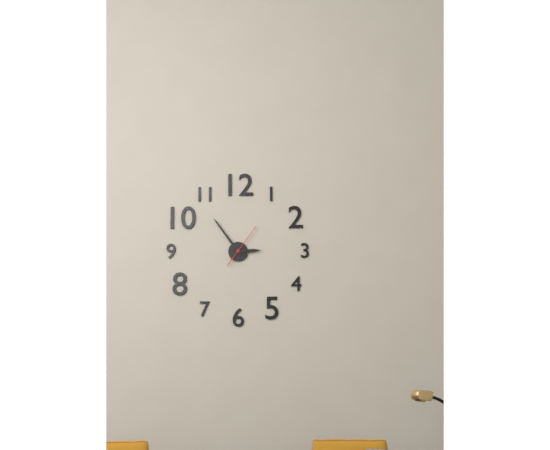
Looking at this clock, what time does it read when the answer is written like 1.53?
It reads 2.54
